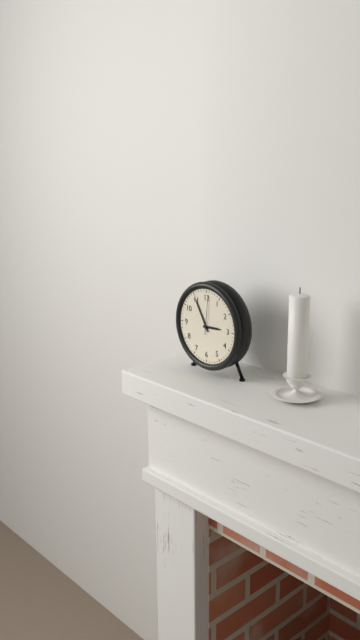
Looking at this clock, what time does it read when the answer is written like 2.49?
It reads 2.55
